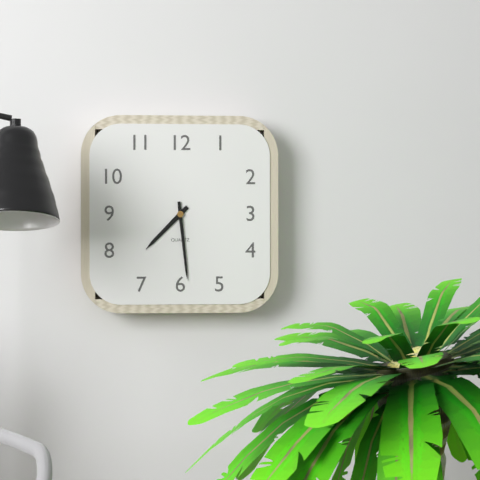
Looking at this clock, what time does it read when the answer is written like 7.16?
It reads 7.29
